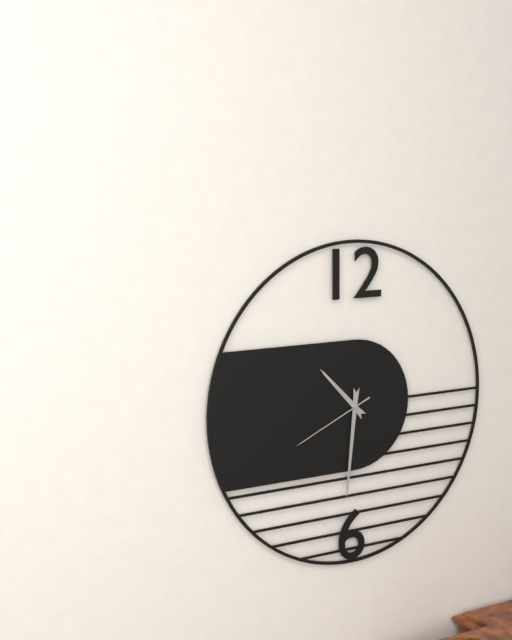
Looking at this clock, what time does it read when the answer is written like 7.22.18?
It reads 10.31.41
